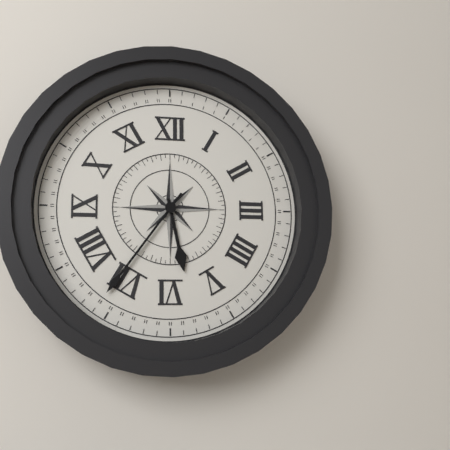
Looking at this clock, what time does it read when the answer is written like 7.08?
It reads 5.36
